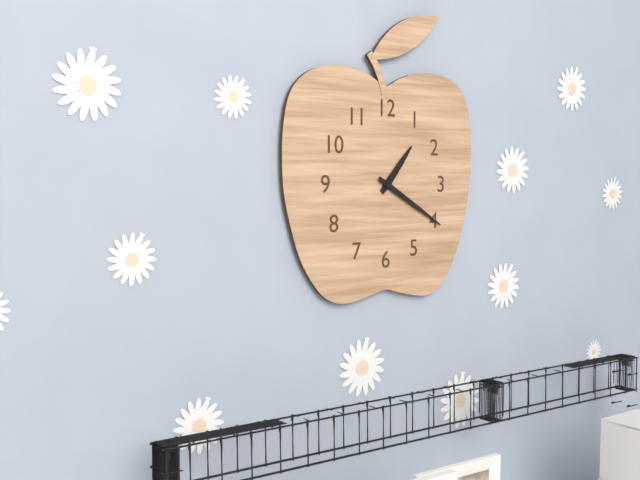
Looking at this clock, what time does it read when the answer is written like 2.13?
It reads 1.20
